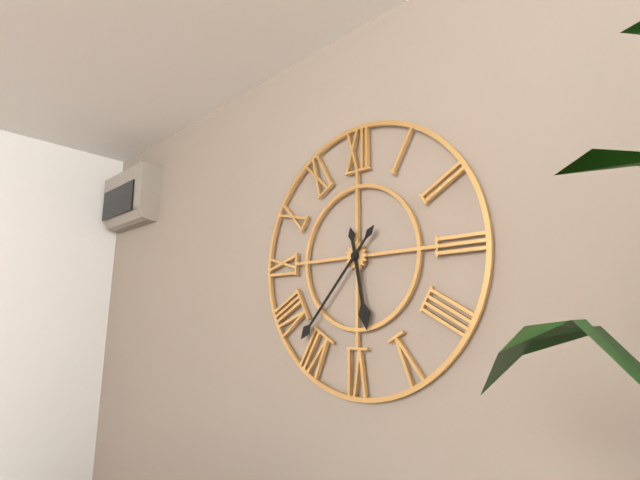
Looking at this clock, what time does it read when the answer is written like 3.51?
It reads 5.37
